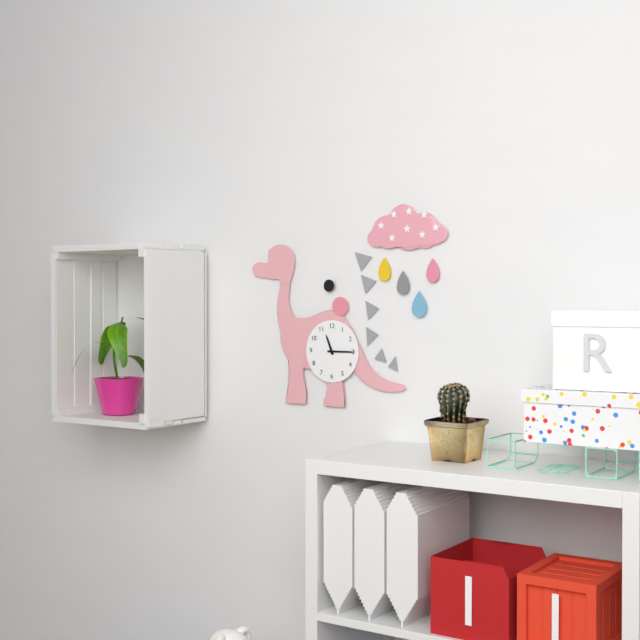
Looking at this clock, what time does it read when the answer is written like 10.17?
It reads 11.15
